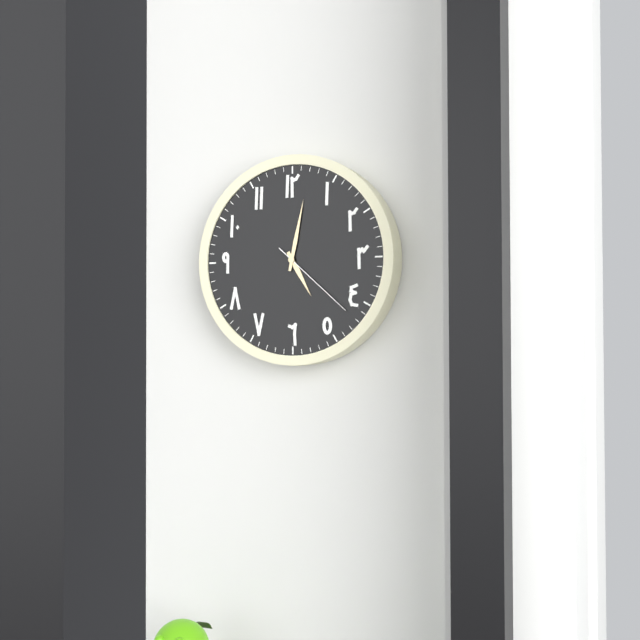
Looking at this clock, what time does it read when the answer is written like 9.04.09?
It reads 5.02.22
